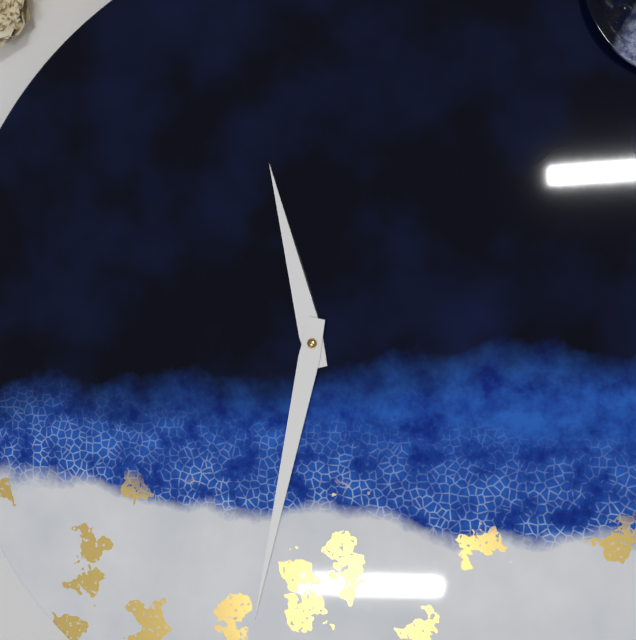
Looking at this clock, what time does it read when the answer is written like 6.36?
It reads 11.32
